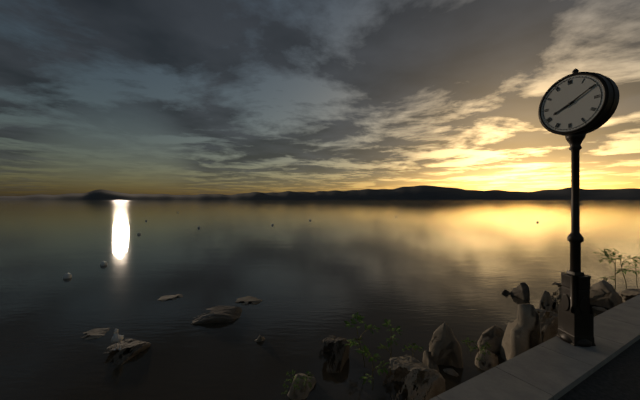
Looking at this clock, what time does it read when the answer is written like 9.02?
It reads 8.10
